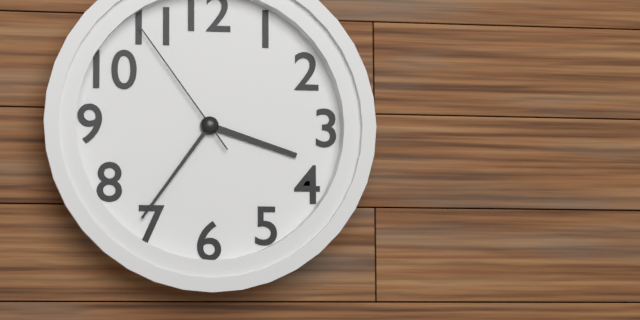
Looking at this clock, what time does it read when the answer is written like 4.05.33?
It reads 3.36.54
